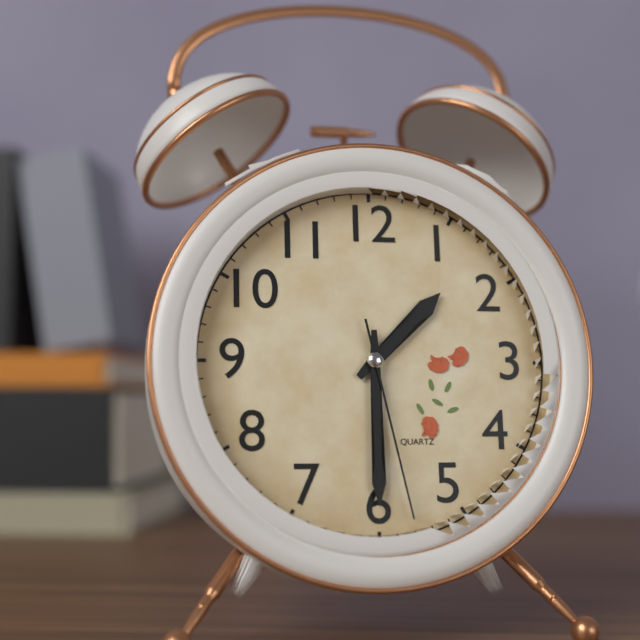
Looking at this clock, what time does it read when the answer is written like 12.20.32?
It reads 1.30.28
